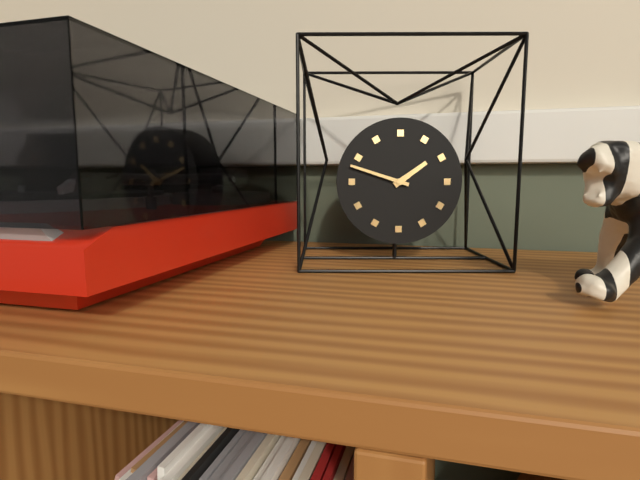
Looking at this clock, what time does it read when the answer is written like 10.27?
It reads 1.48
